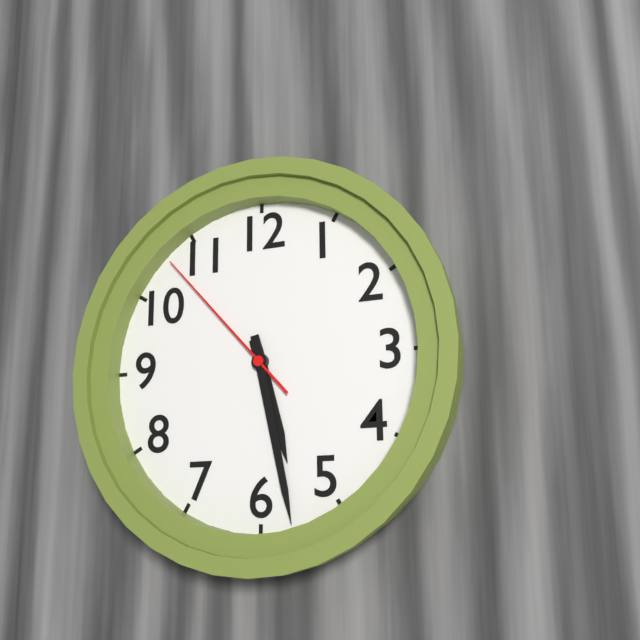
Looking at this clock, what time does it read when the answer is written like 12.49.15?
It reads 5.28.53
